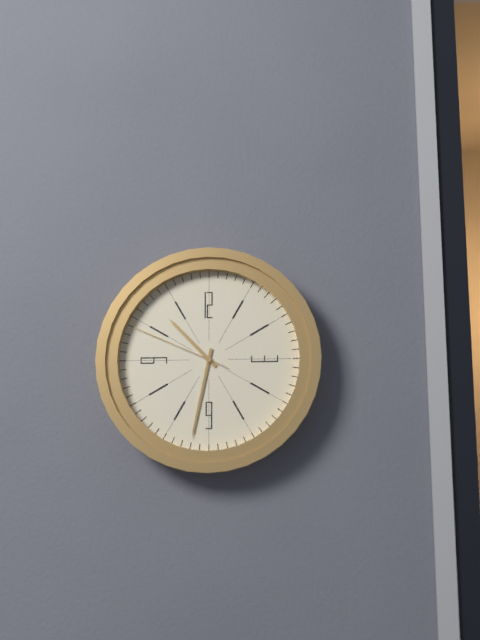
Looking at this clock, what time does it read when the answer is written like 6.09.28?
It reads 10.32.49
